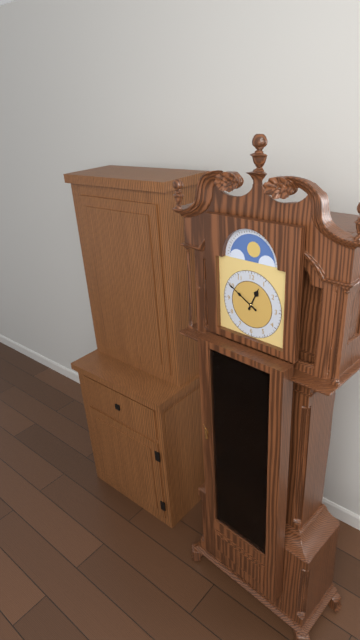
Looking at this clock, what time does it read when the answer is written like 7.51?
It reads 12.50
